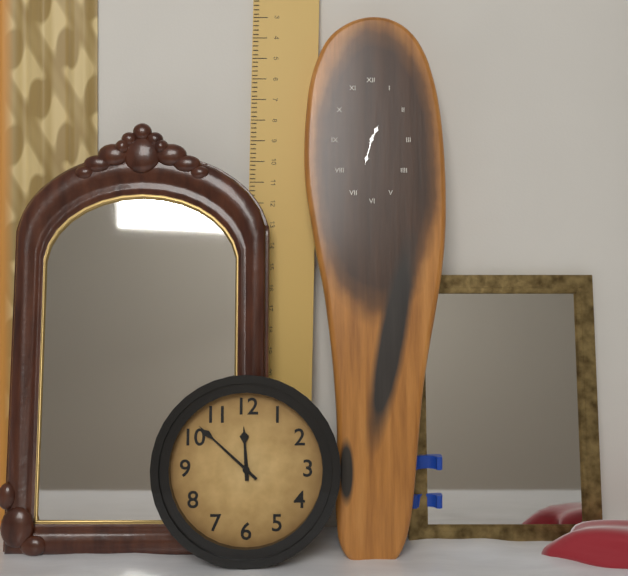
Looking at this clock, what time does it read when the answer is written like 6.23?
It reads 11.52
